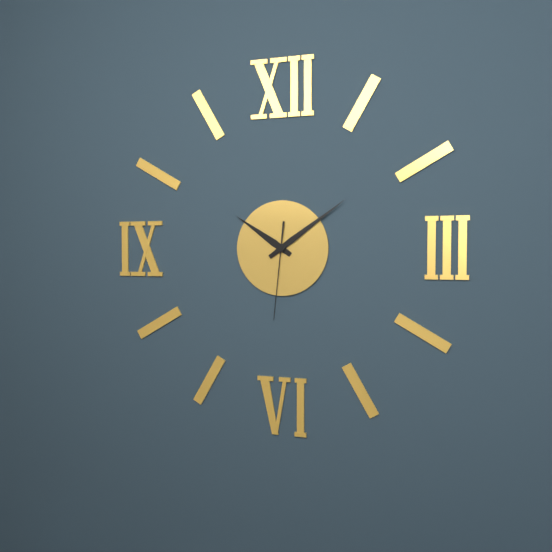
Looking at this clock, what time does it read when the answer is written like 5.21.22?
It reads 10.09.31
